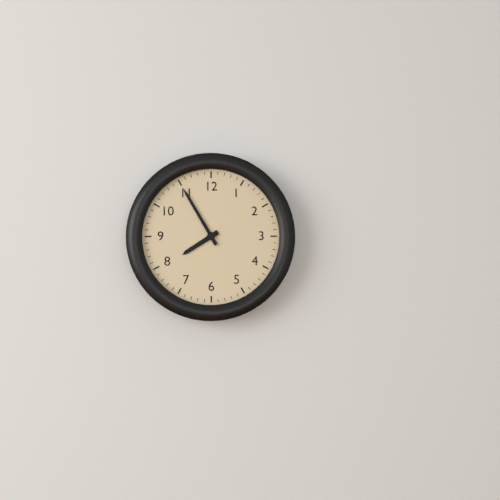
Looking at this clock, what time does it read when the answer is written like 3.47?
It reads 7.55
